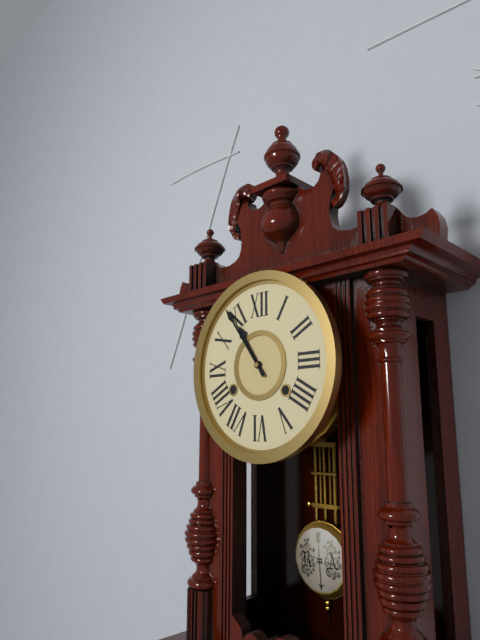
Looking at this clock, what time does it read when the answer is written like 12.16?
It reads 10.54
